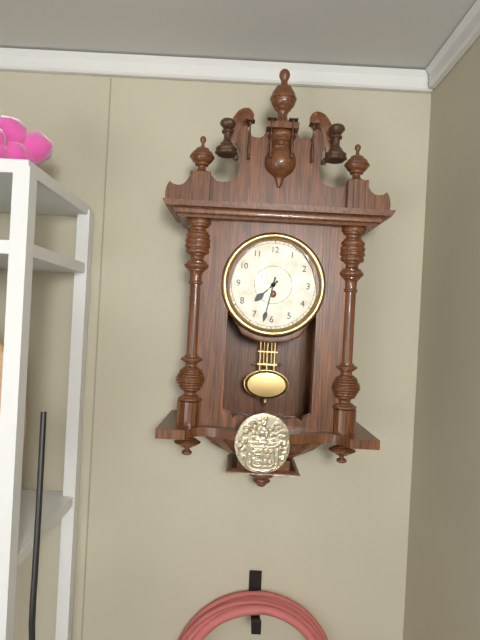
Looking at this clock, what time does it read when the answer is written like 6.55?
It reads 7.32
